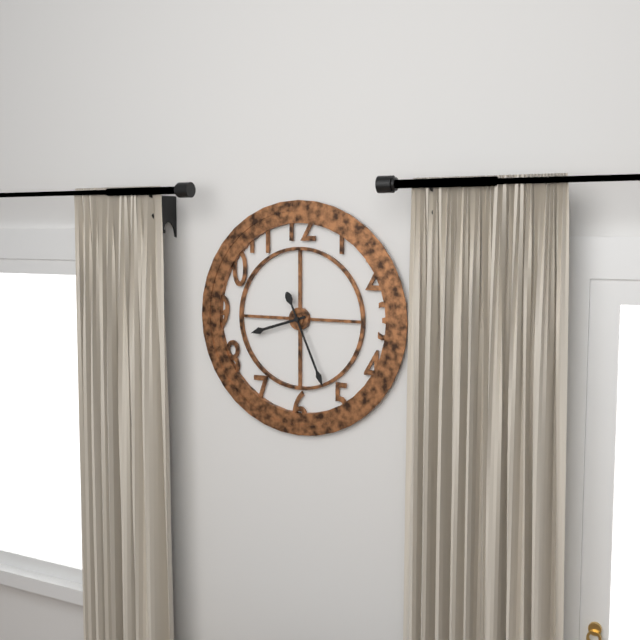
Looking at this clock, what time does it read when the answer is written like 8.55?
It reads 8.26
